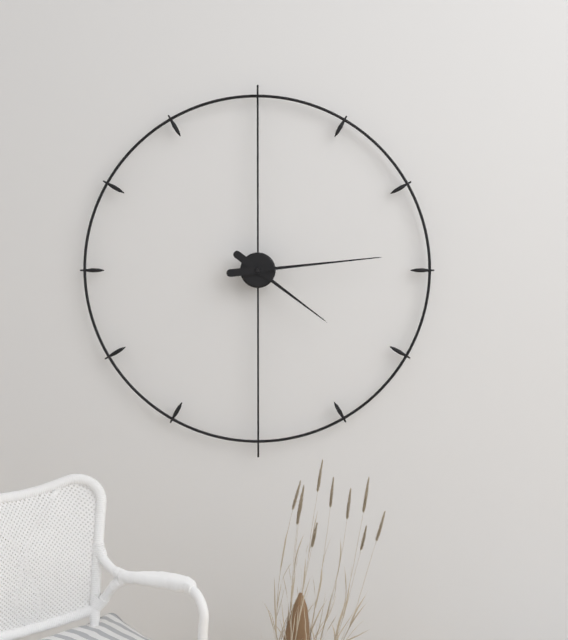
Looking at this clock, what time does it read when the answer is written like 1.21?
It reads 4.14
